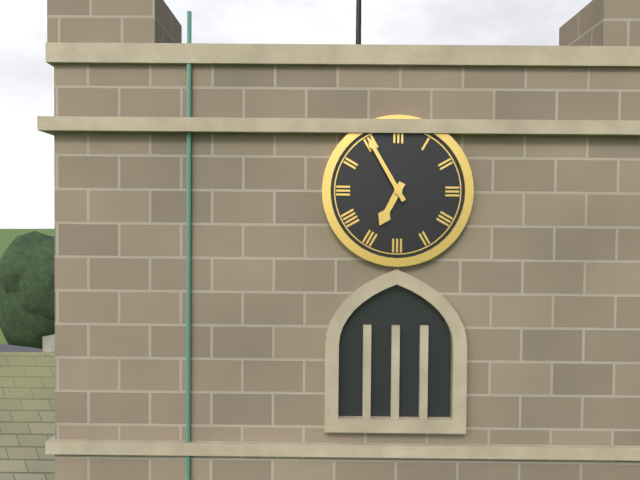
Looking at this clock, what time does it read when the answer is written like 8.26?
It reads 6.55
